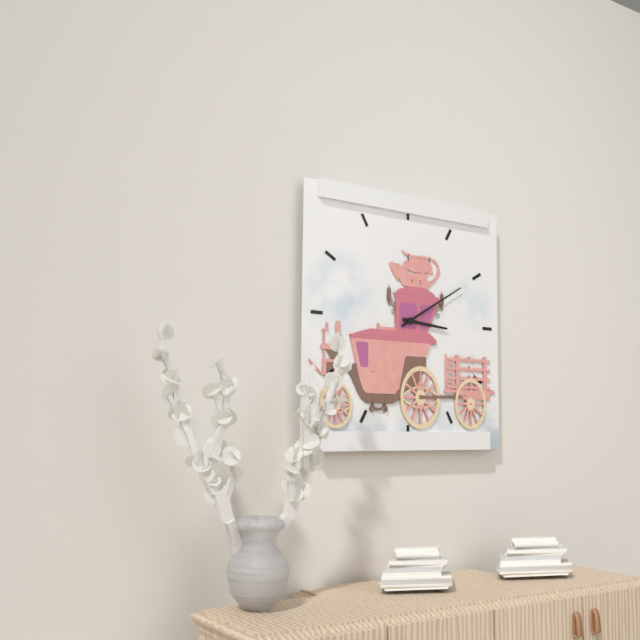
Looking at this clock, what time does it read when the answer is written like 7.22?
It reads 3.10
